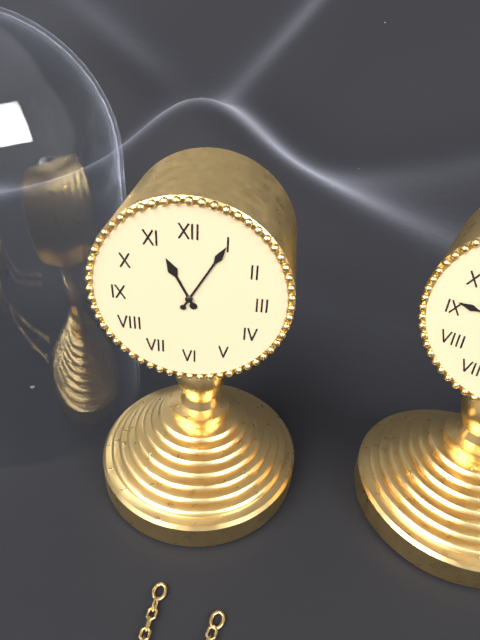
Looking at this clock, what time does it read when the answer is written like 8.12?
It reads 11.05
